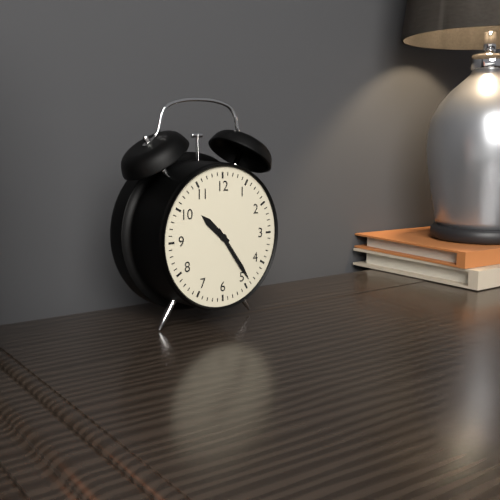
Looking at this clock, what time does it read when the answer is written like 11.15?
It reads 10.24
